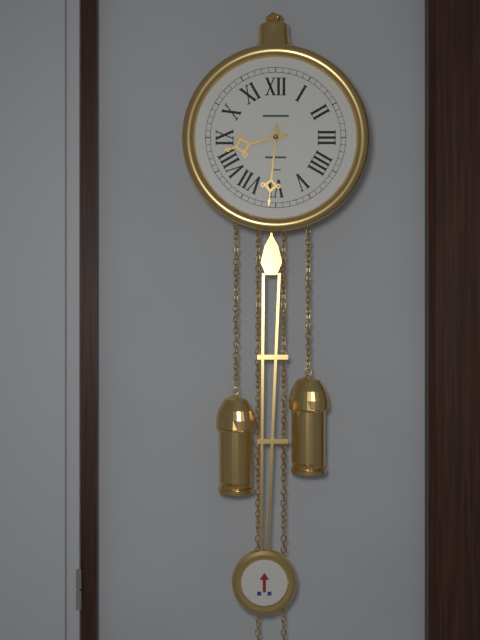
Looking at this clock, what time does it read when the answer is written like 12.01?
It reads 8.31
